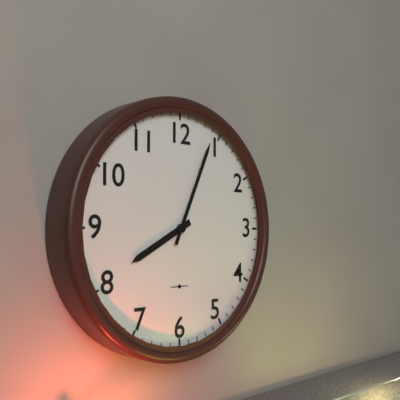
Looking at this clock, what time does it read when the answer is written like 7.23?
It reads 8.04
